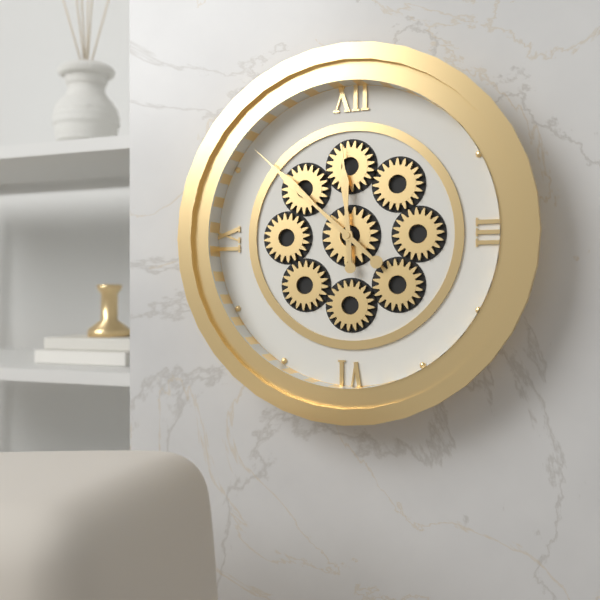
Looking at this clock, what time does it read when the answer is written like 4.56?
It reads 11.52
